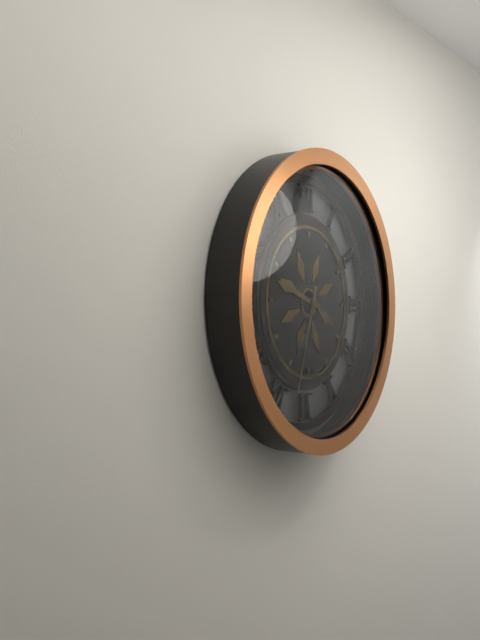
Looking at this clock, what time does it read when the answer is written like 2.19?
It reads 9.33
